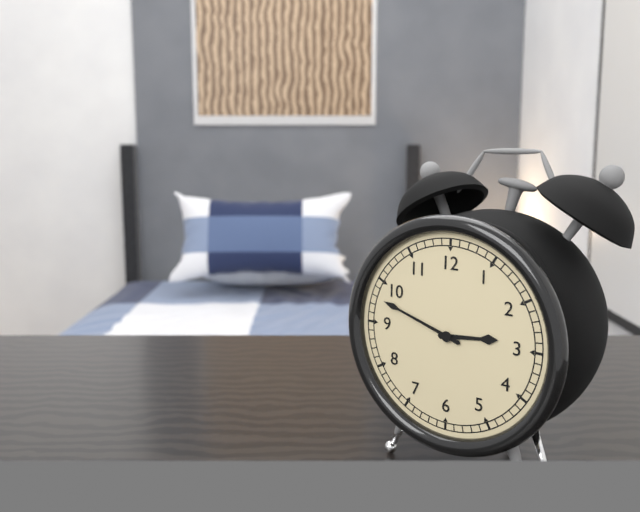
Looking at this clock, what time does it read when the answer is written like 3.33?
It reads 2.48
